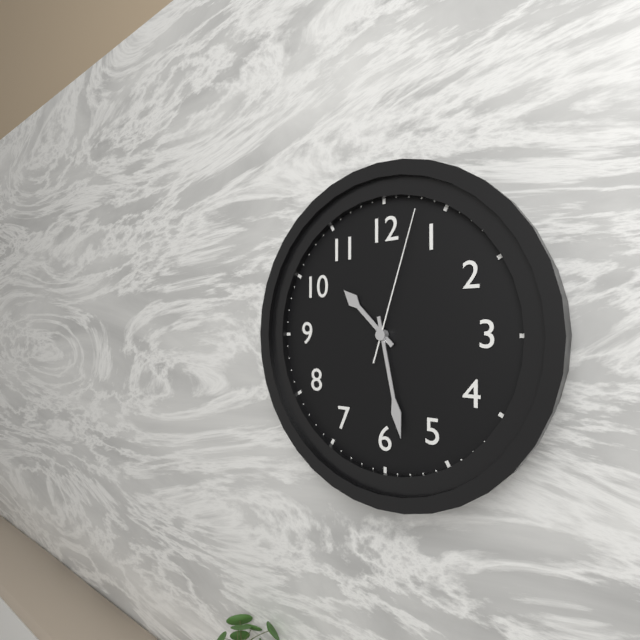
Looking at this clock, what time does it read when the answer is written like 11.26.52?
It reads 10.28.03
